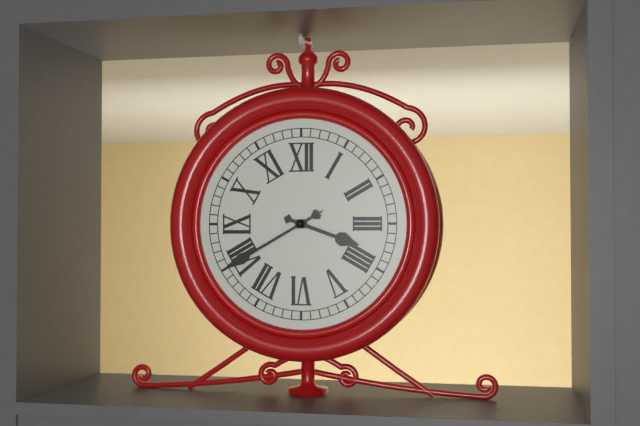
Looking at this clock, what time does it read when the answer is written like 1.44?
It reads 3.40
